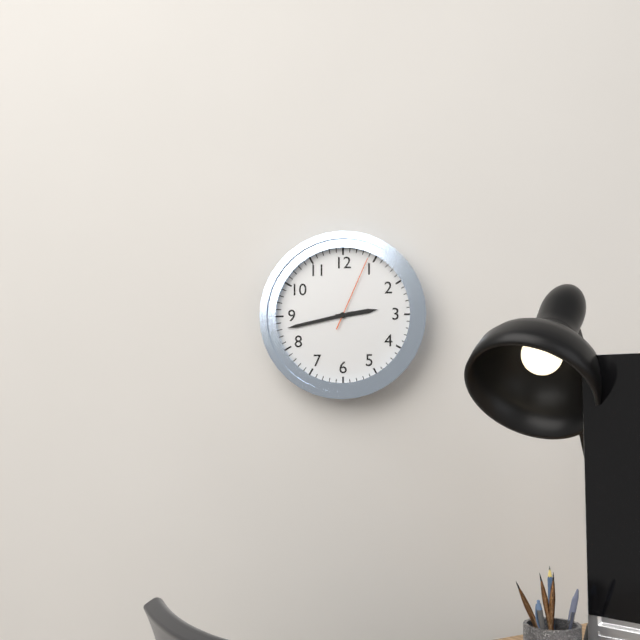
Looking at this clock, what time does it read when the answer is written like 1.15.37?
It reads 2.43.04
